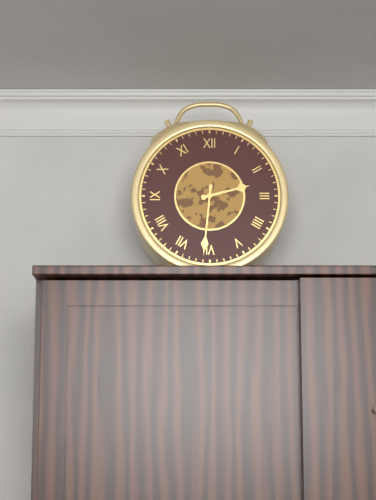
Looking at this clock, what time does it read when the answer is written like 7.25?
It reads 2.31
